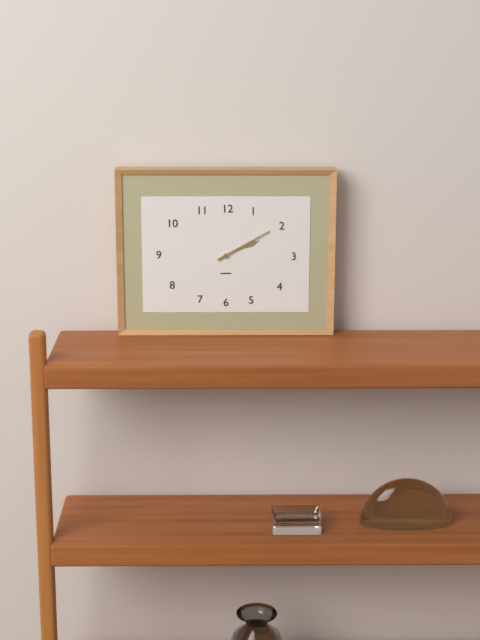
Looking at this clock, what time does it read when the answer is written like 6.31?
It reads 2.10
